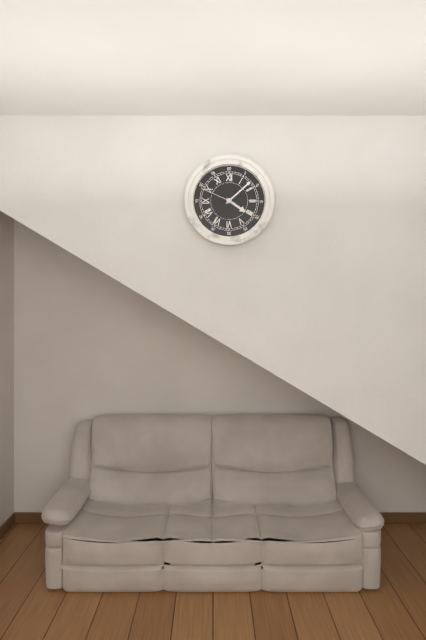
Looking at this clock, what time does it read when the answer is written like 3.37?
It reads 4.08
